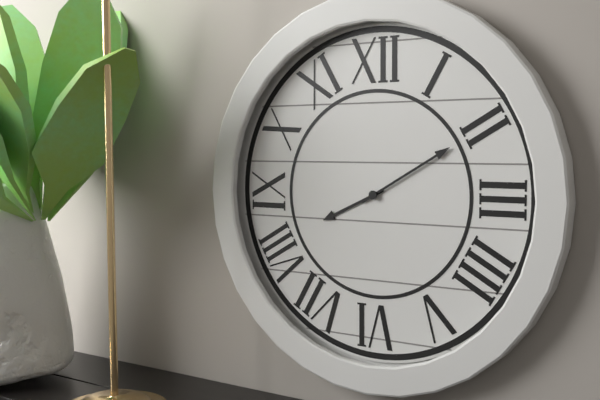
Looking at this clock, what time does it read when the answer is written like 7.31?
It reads 8.10
